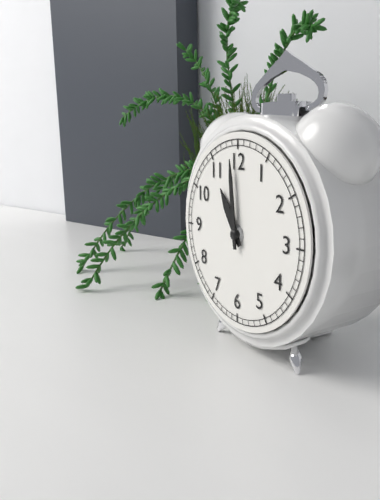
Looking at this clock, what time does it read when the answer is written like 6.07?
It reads 10.59
